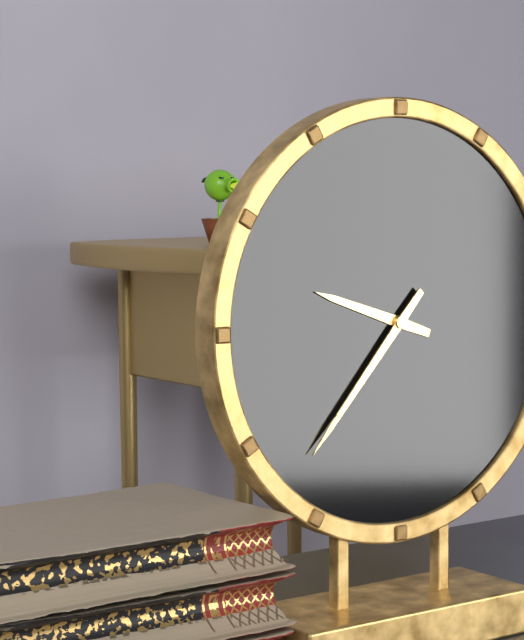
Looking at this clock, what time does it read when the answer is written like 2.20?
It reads 9.37
